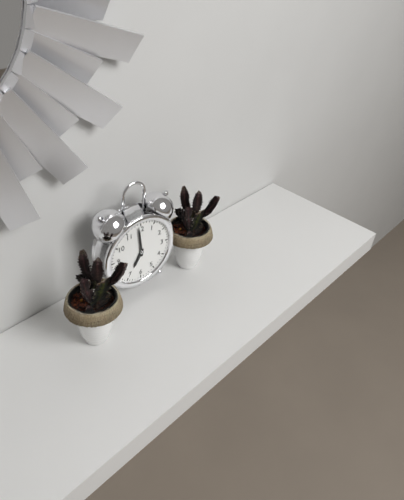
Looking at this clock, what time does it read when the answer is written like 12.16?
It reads 6.59
